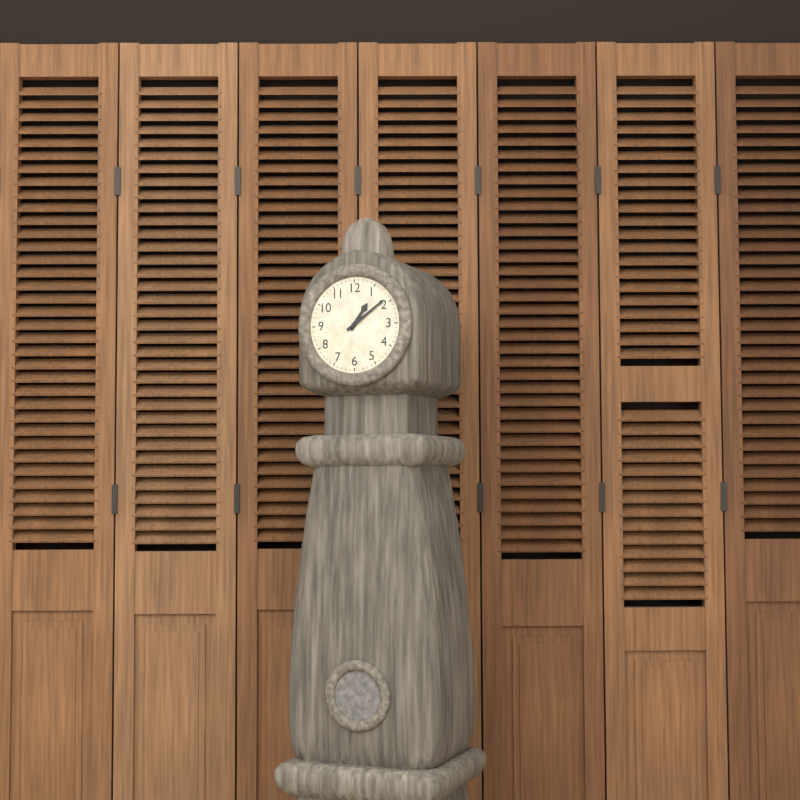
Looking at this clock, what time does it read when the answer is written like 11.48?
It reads 1.09
